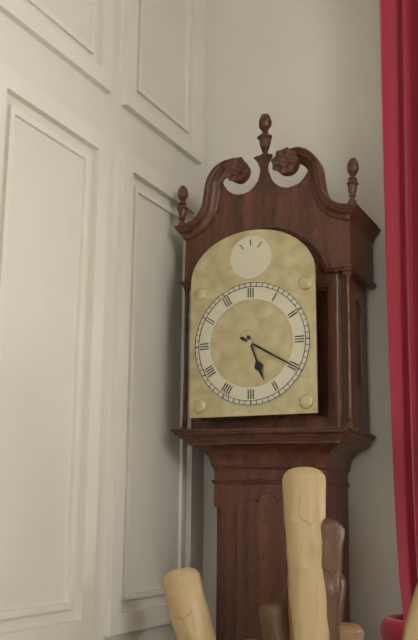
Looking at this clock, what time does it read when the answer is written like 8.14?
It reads 5.20
